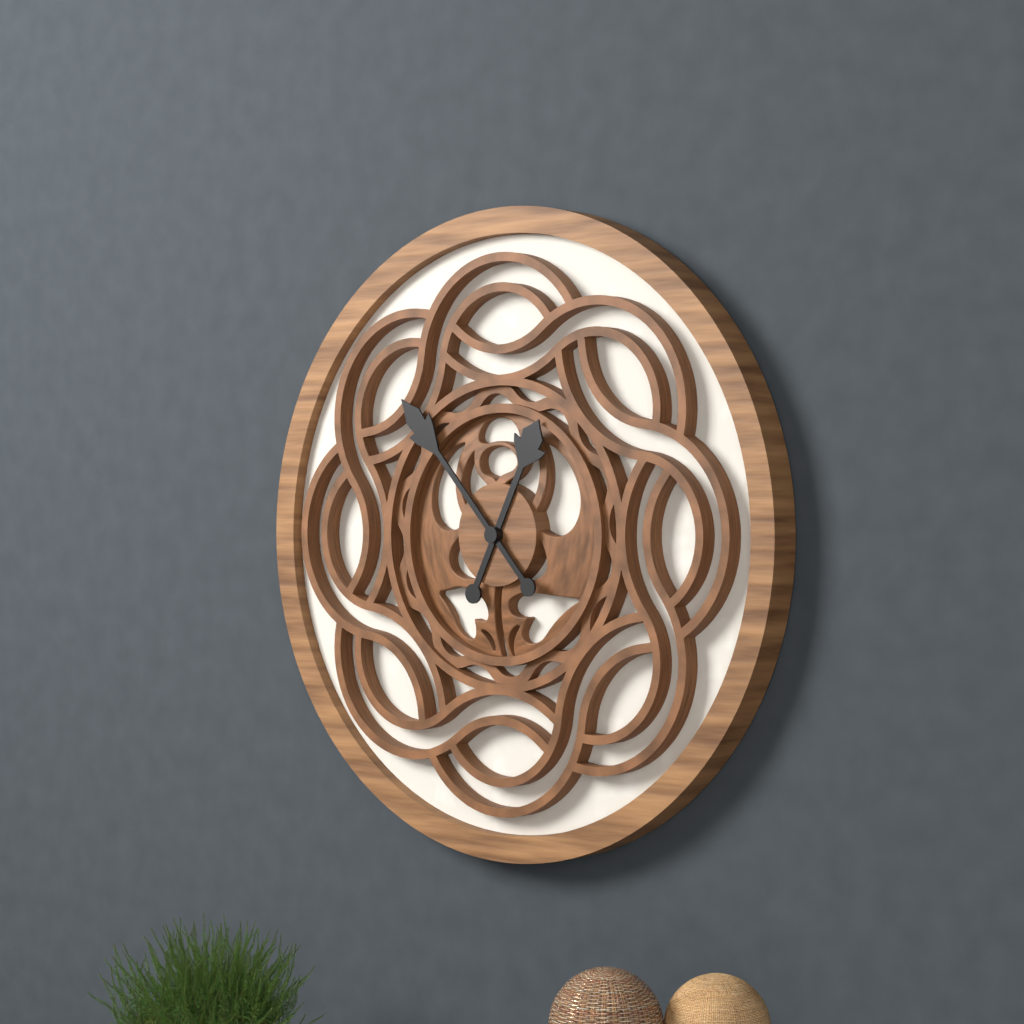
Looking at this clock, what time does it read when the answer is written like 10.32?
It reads 12.53
